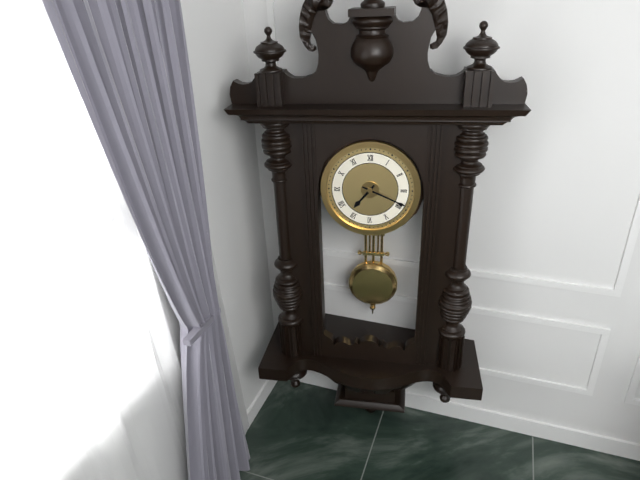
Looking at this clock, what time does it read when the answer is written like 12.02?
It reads 7.19
